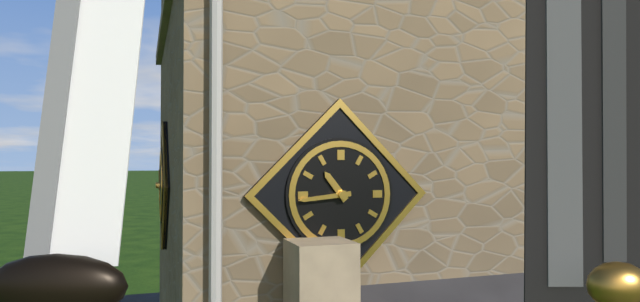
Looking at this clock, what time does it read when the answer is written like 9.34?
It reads 10.44
